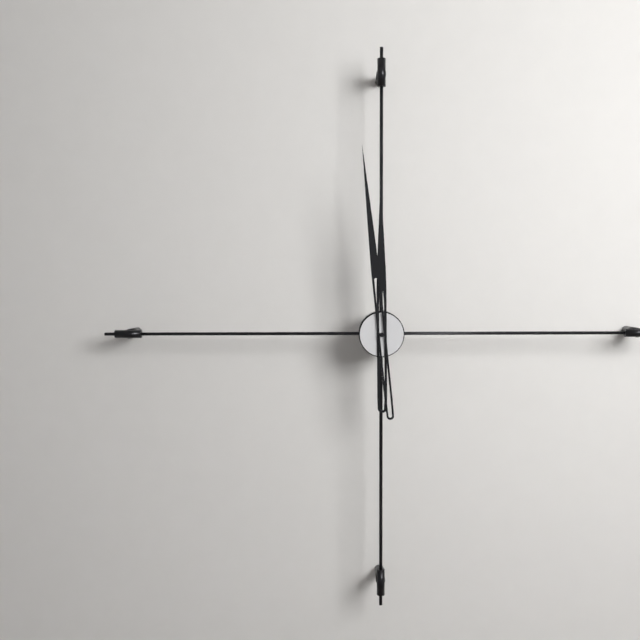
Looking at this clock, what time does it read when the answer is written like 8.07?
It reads 11.59
